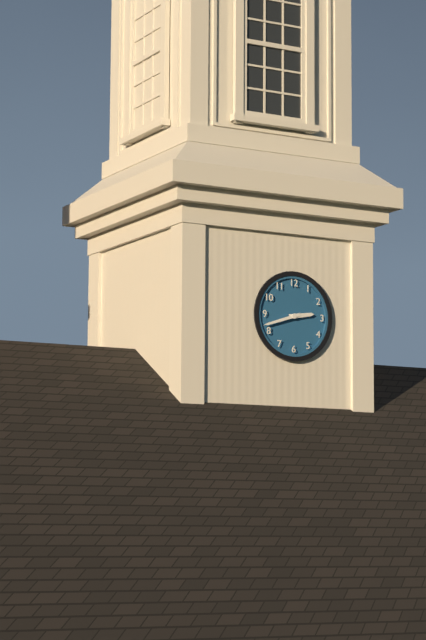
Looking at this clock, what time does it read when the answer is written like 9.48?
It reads 2.42
